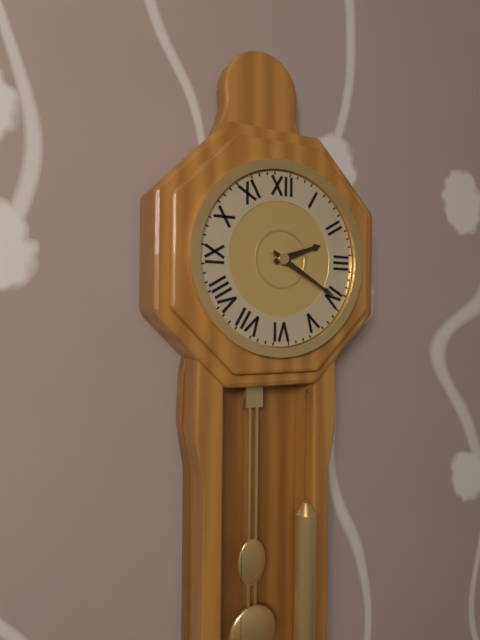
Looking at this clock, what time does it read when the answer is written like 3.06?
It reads 2.20
